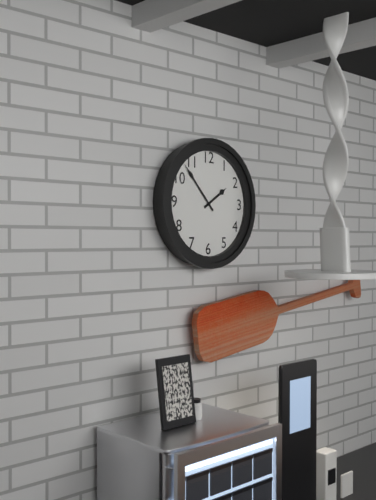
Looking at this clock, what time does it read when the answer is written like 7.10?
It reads 1.53
